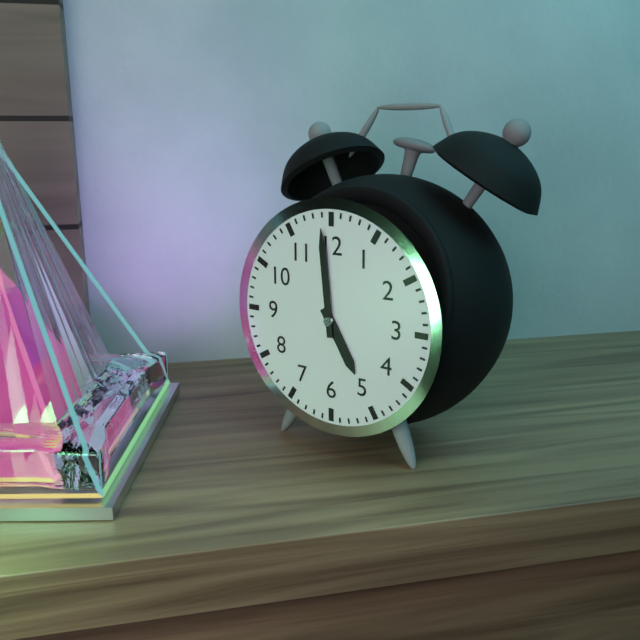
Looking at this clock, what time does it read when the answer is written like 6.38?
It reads 4.59
